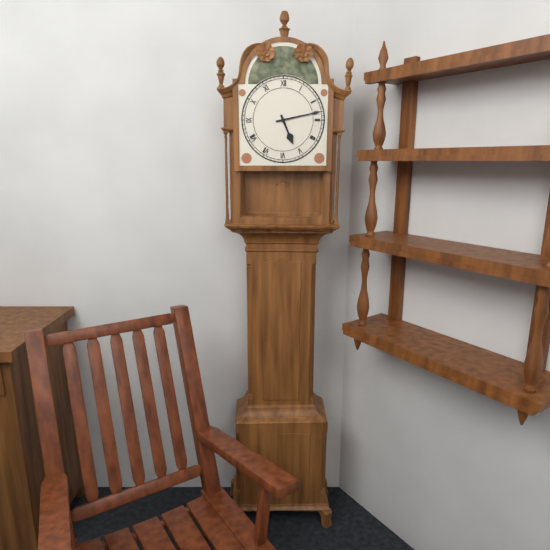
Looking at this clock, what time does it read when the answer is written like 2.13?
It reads 5.13
